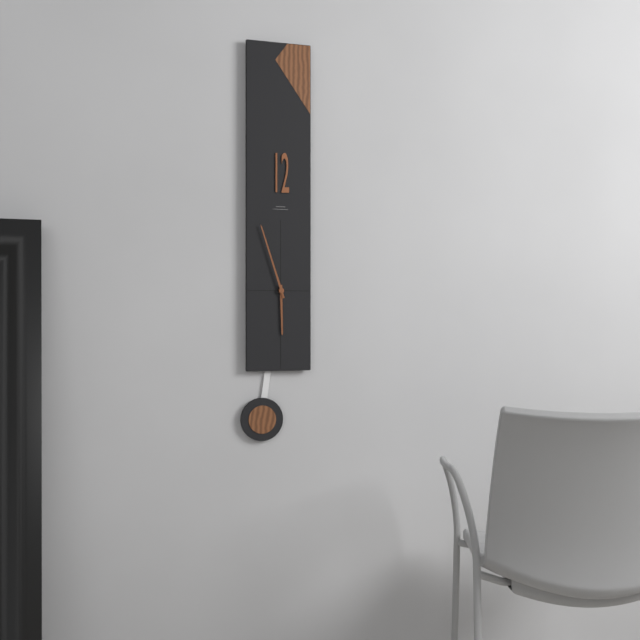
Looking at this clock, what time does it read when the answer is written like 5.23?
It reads 5.57
